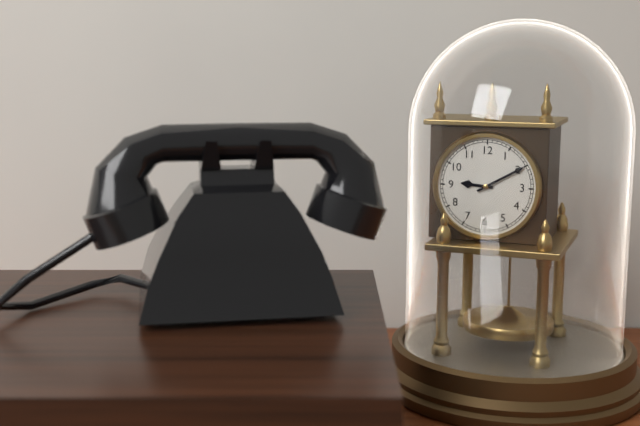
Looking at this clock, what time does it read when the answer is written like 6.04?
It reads 9.10
